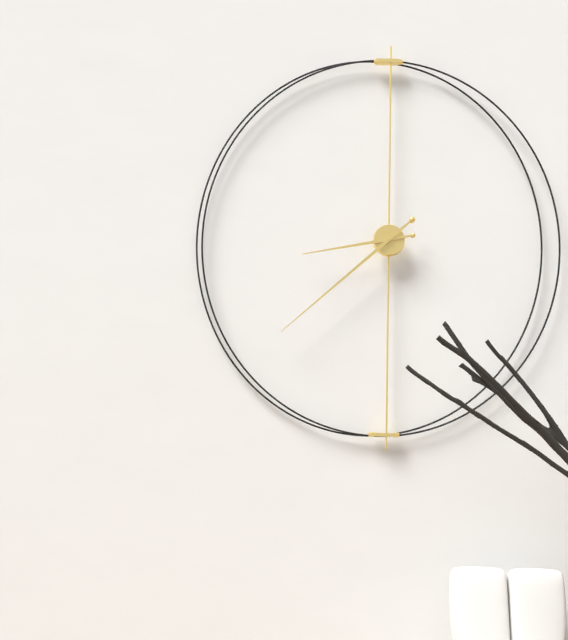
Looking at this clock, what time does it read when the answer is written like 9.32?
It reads 8.38
